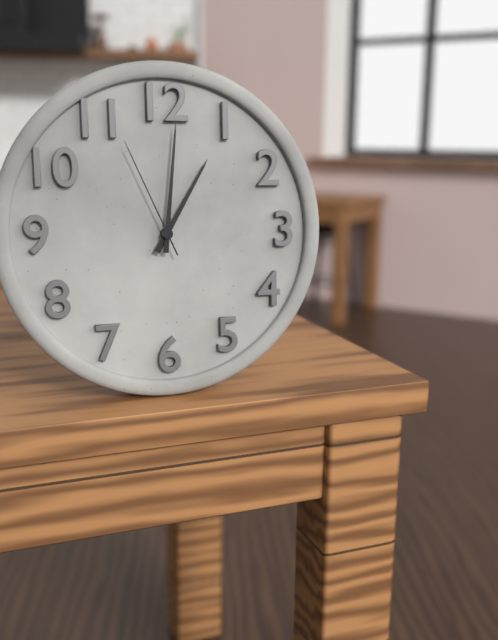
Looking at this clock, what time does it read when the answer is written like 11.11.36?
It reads 1.01.56
